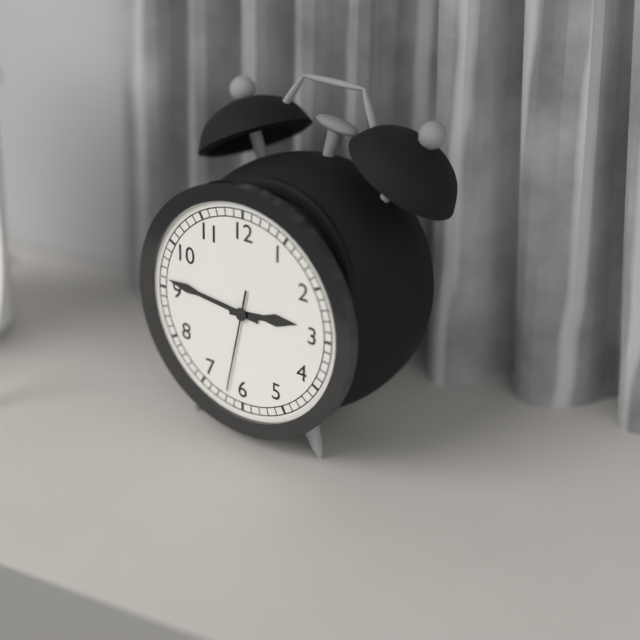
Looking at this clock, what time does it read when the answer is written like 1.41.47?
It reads 2.46.32
